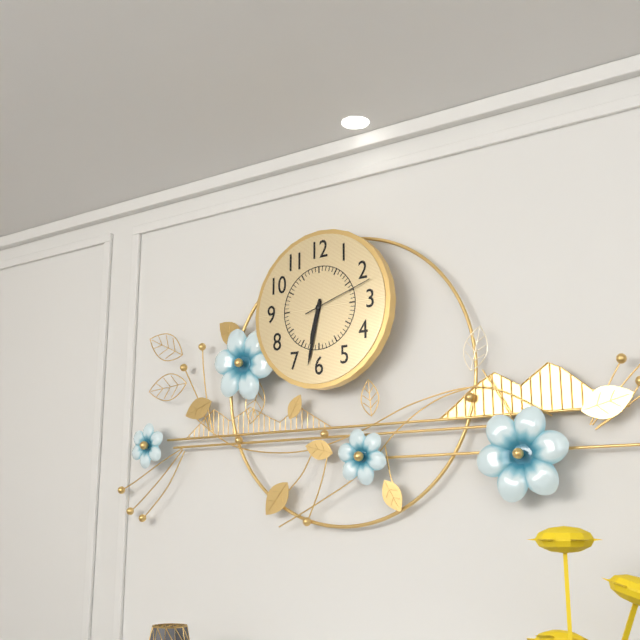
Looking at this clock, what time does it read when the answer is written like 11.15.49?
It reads 6.32.12
